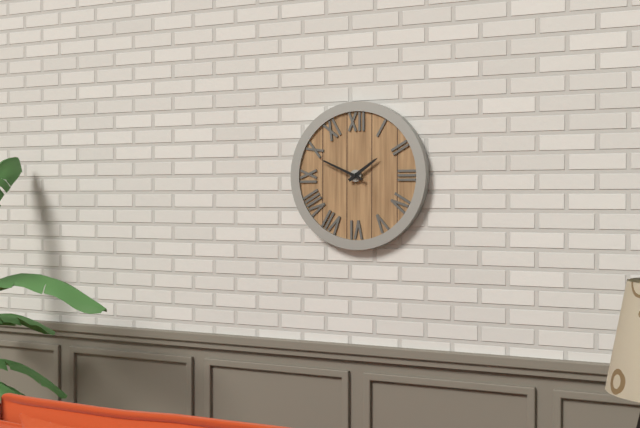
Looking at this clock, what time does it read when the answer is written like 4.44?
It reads 1.49
